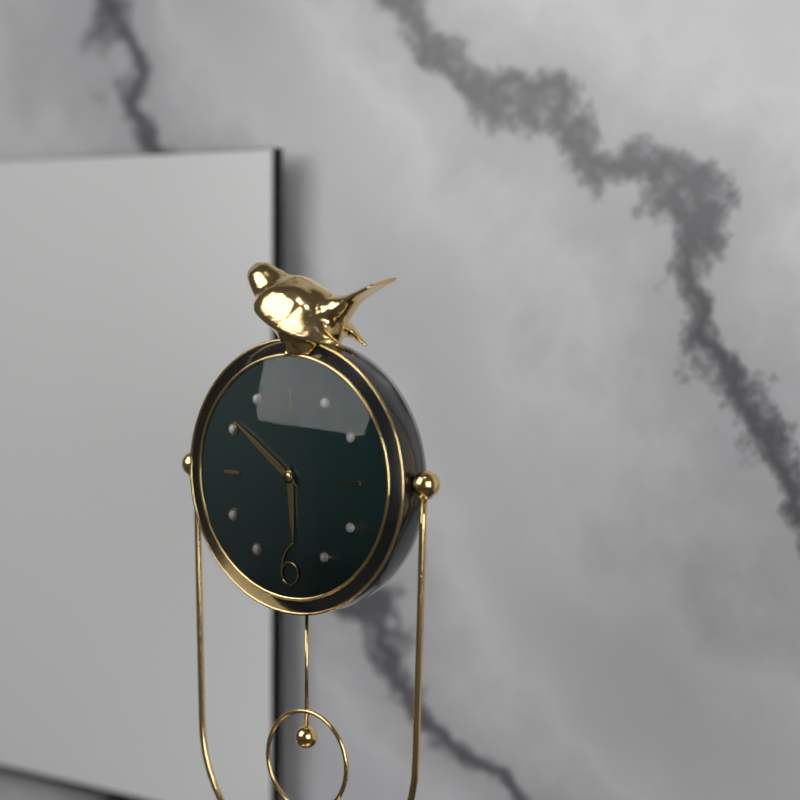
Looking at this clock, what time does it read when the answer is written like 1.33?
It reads 5.51
